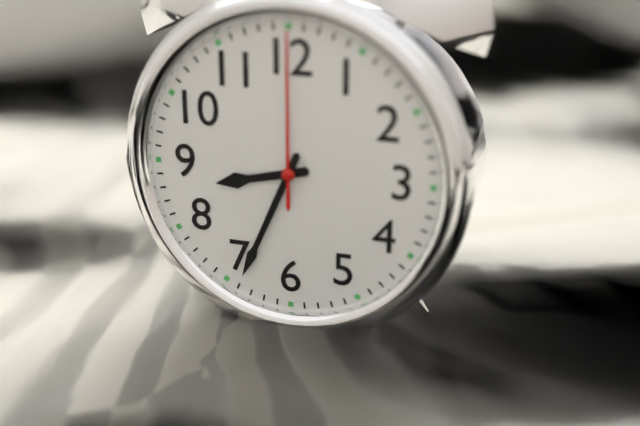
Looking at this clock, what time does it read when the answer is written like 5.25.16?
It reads 8.34.00
